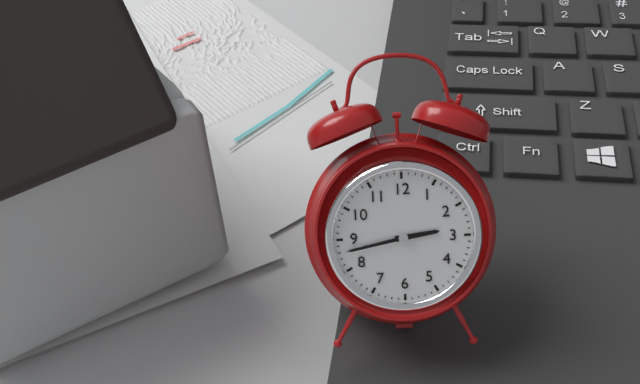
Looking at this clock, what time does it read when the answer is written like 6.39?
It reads 2.43
